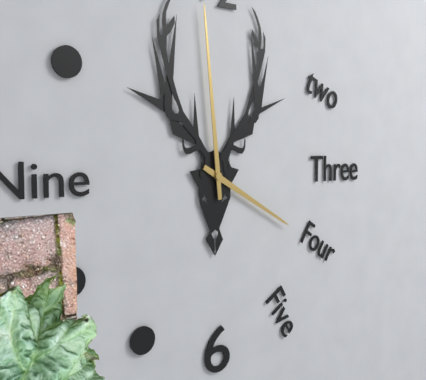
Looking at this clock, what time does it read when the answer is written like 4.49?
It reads 3.59
